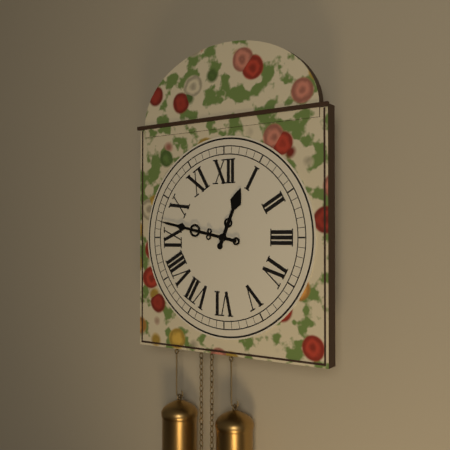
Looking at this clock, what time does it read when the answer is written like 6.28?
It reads 12.47
